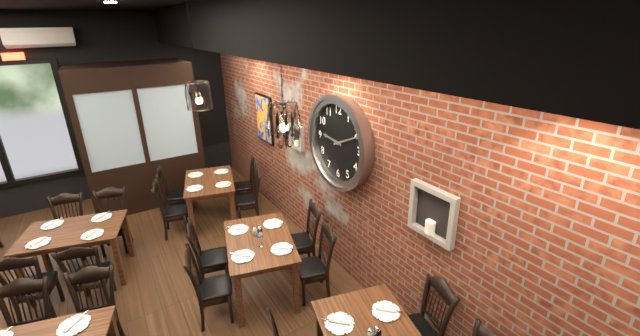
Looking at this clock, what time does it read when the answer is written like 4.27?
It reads 9.11
